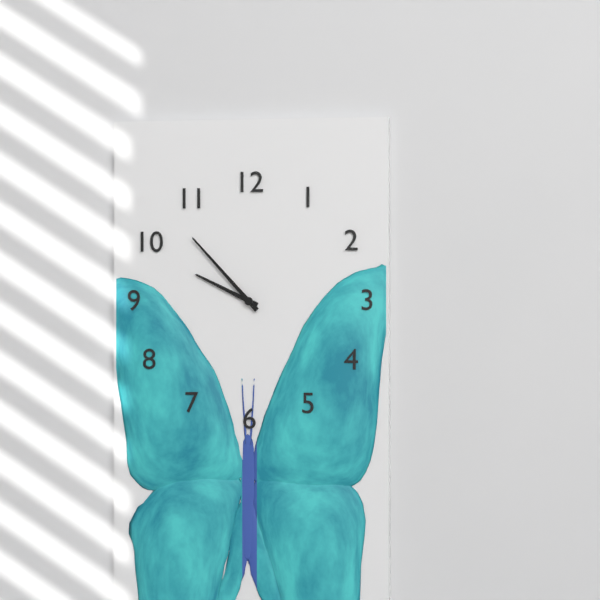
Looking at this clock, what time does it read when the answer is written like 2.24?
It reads 9.53
